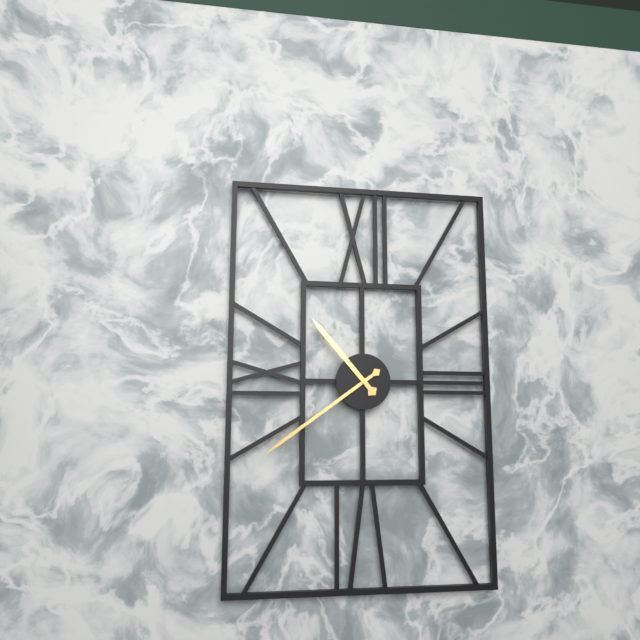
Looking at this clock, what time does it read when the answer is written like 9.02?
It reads 10.39
